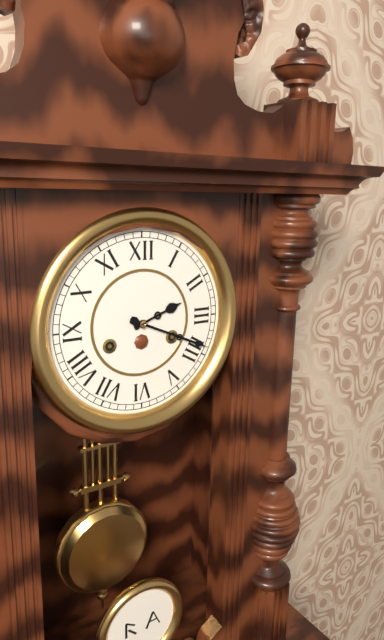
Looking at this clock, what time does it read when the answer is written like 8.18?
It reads 2.19
